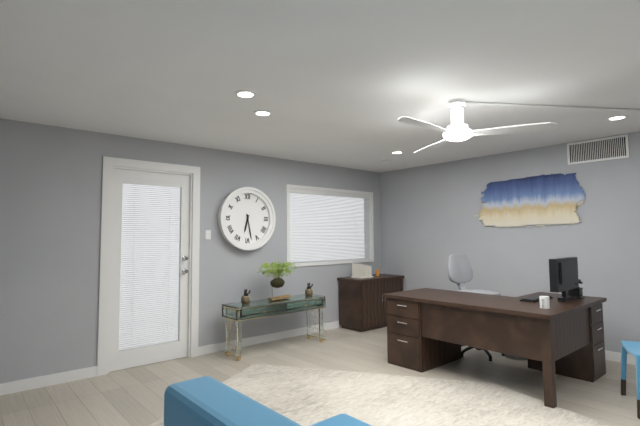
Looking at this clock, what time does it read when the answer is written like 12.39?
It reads 6.28
